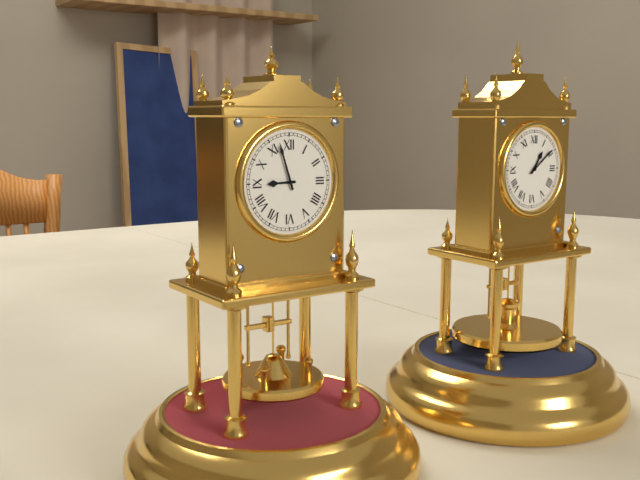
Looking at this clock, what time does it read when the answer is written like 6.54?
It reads 8.57
